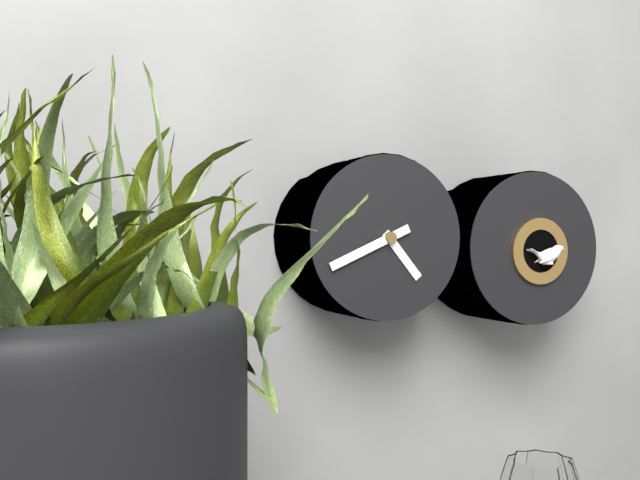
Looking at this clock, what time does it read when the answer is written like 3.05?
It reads 4.41
